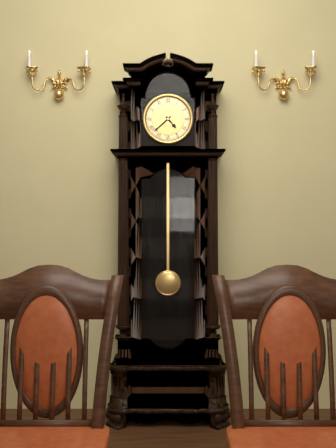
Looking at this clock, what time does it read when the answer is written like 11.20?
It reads 4.38
